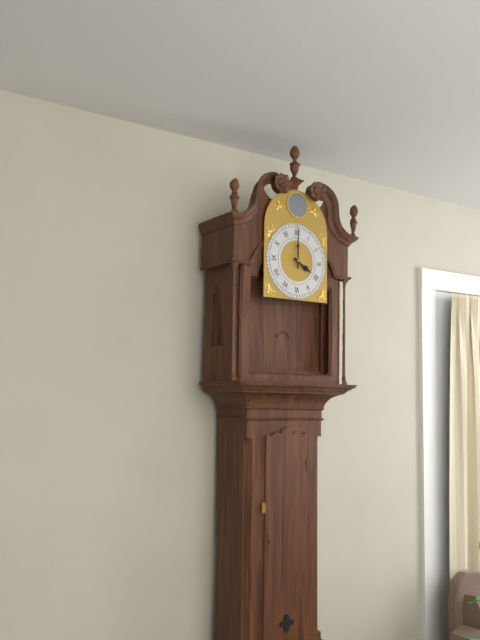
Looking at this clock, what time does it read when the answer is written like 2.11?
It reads 4.00
